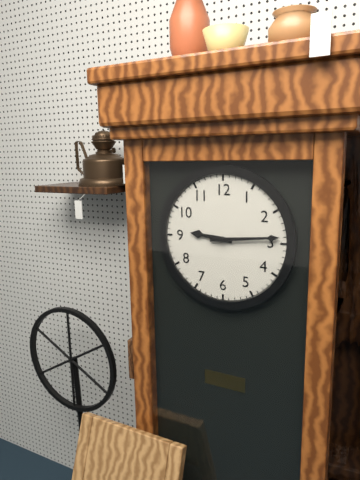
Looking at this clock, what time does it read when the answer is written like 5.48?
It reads 9.14
